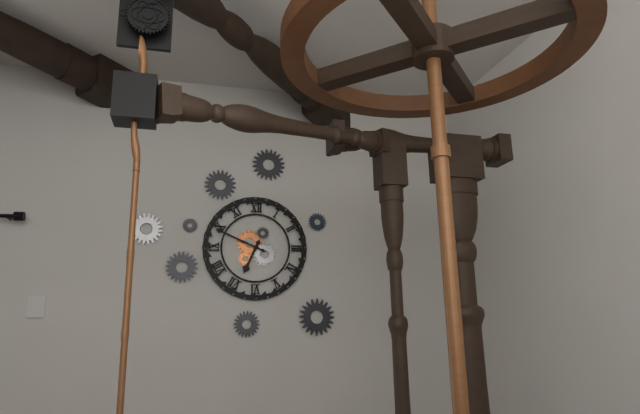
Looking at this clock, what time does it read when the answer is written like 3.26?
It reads 6.49
